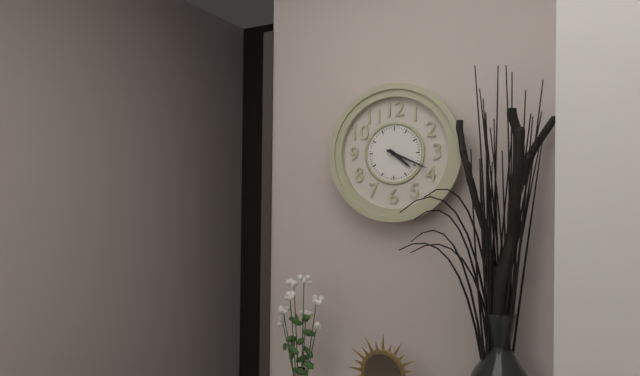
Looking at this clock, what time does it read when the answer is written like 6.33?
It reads 4.19
